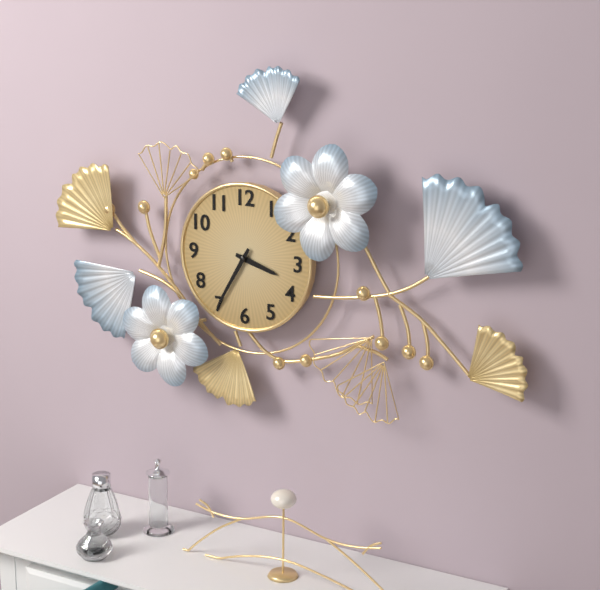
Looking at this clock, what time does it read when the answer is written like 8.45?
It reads 3.35
